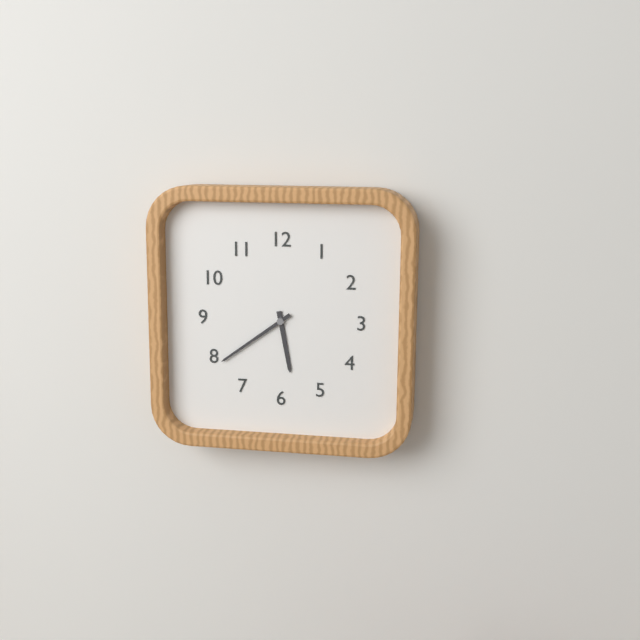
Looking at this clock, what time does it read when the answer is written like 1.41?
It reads 5.39
